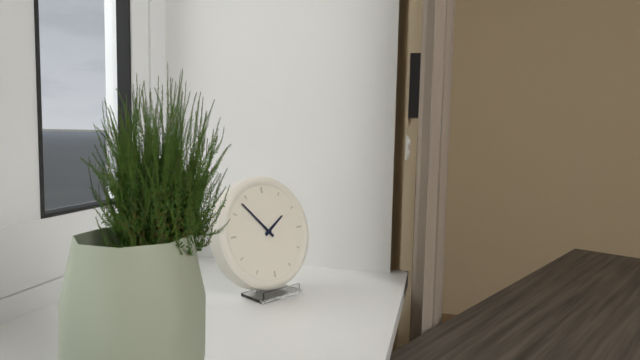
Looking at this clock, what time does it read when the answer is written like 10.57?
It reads 1.53
